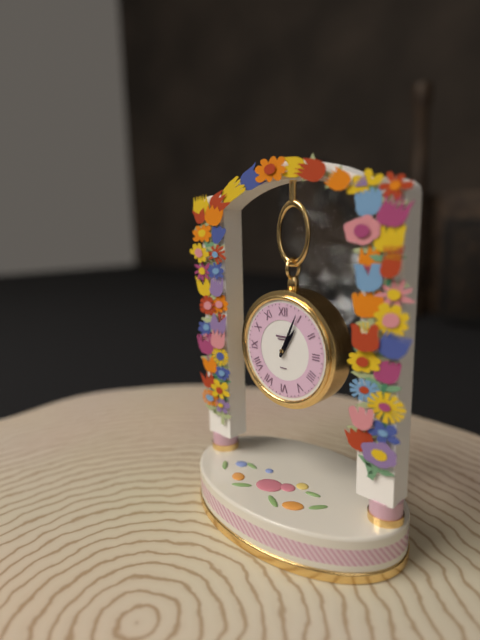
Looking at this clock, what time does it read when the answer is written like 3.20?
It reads 1.04
